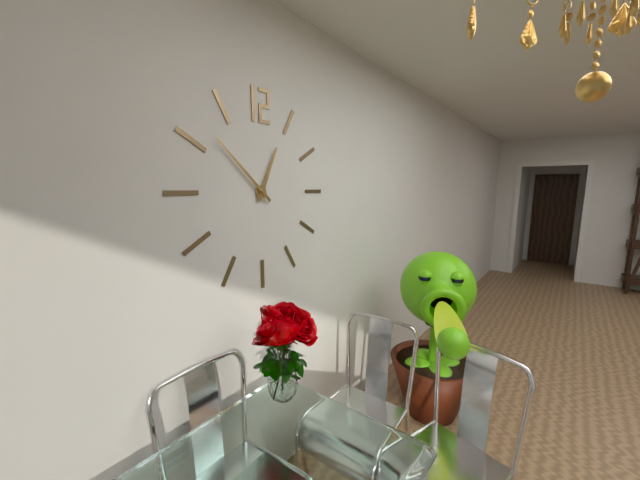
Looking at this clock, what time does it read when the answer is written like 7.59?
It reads 12.52
